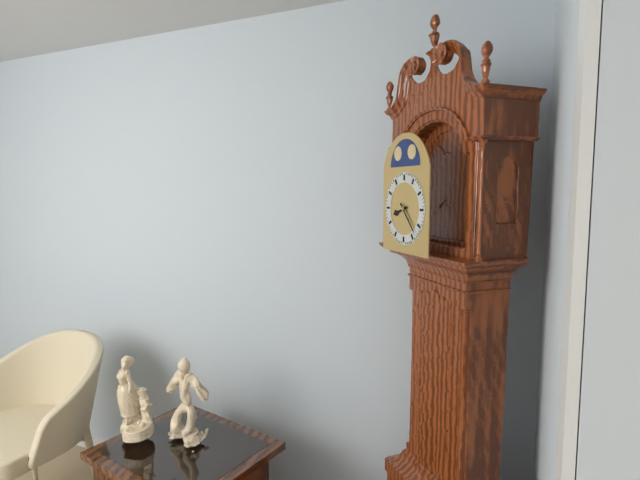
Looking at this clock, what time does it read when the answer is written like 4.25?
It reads 8.23
